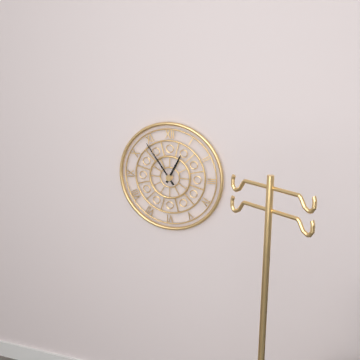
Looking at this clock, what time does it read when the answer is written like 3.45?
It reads 12.54
